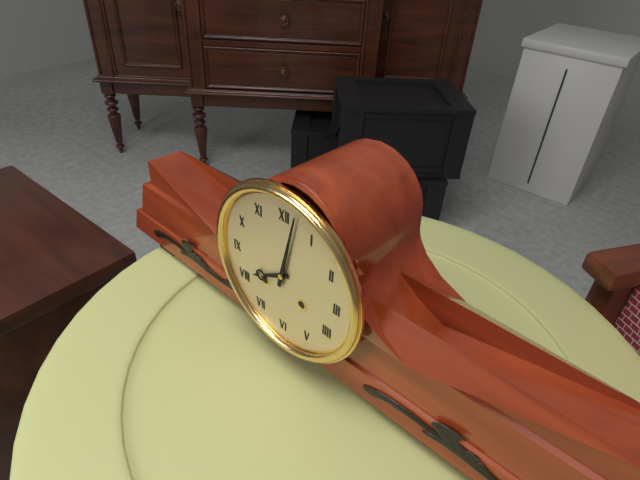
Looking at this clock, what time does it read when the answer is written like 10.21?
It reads 8.02
